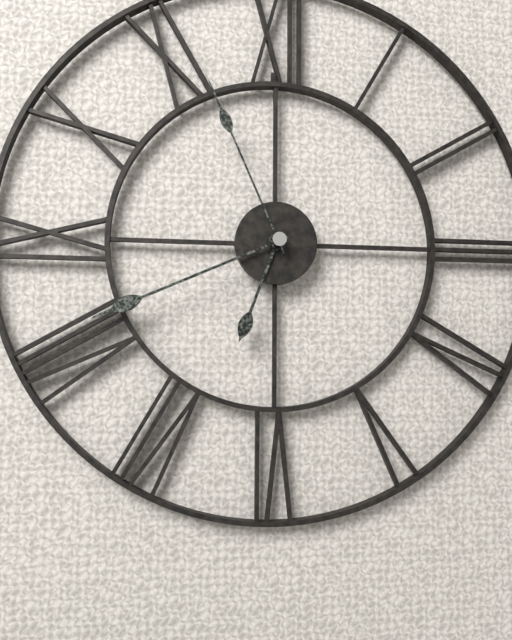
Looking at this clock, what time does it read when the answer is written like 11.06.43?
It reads 6.41.56
